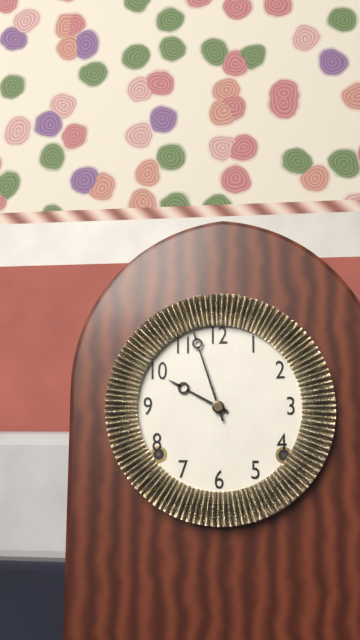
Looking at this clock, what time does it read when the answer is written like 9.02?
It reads 9.57
